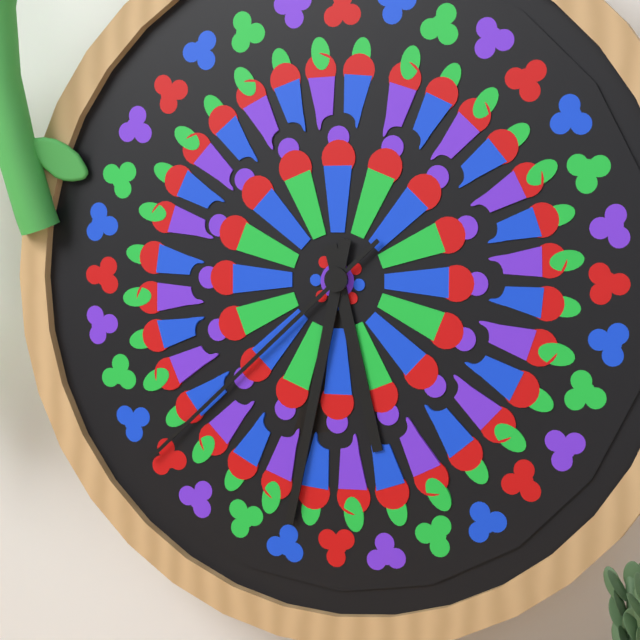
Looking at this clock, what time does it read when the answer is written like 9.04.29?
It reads 5.32.38
